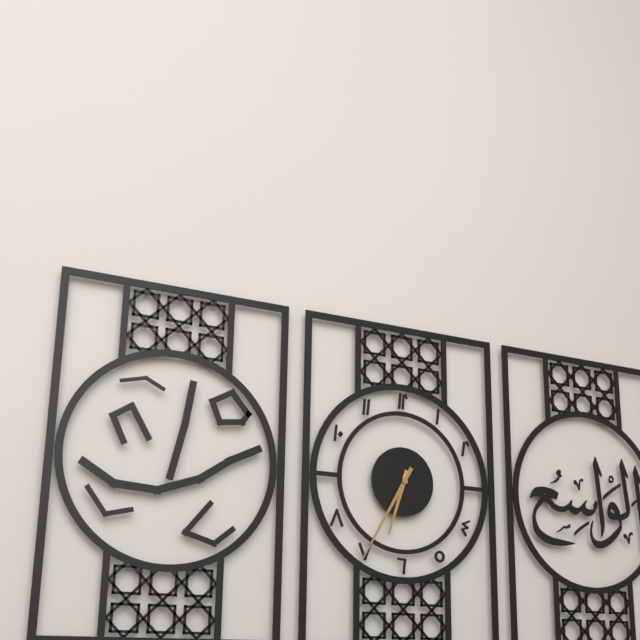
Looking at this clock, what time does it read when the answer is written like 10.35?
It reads 6.35
